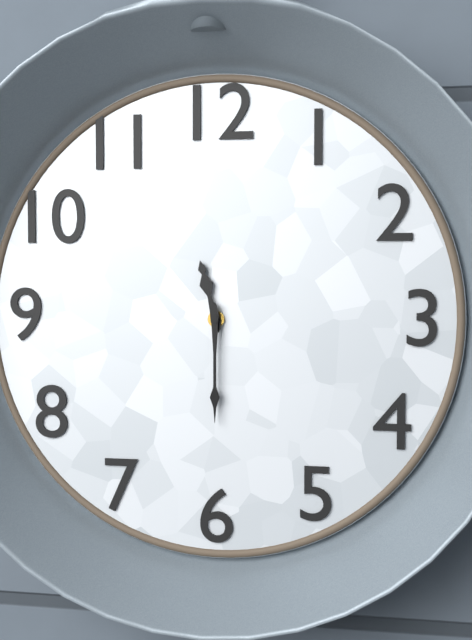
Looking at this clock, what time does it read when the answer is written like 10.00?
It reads 11.30
